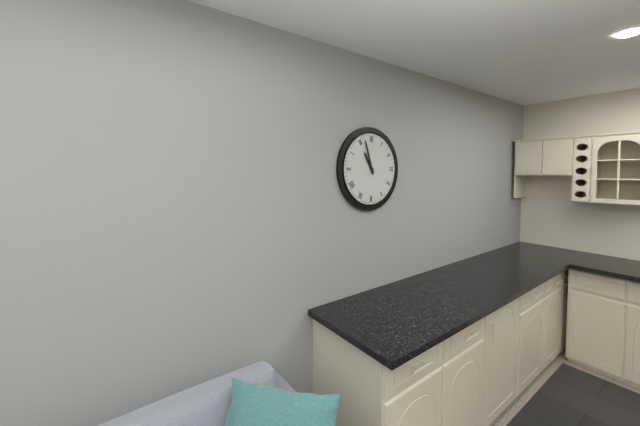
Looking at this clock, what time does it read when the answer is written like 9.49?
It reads 10.57
